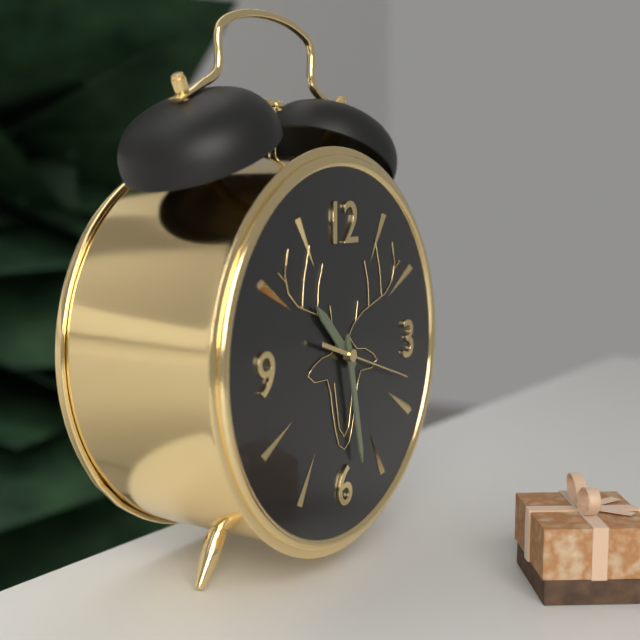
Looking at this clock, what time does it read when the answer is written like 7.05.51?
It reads 10.28.18
